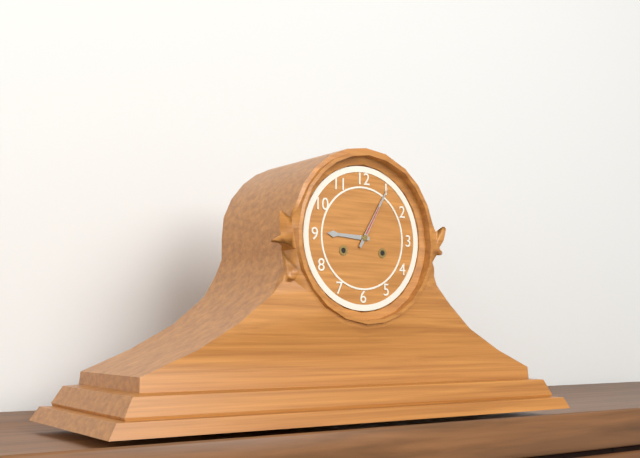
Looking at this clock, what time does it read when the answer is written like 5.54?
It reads 9.05
